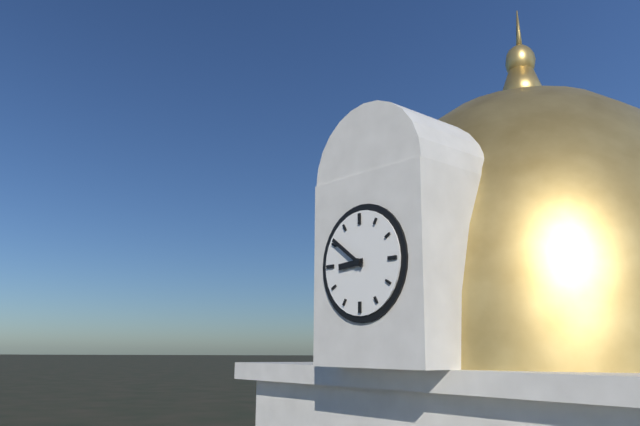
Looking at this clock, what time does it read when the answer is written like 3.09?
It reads 8.51
